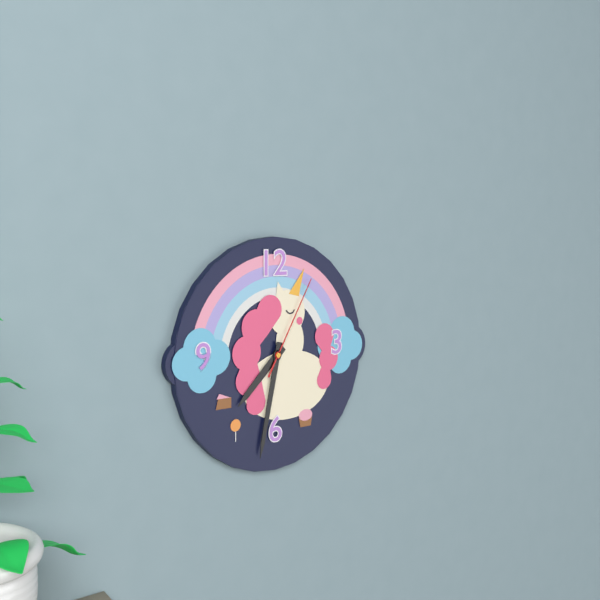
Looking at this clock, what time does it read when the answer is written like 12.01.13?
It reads 7.32.05
